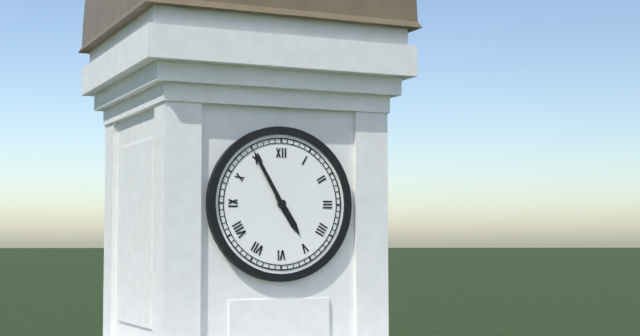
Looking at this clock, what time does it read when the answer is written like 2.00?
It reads 4.55
